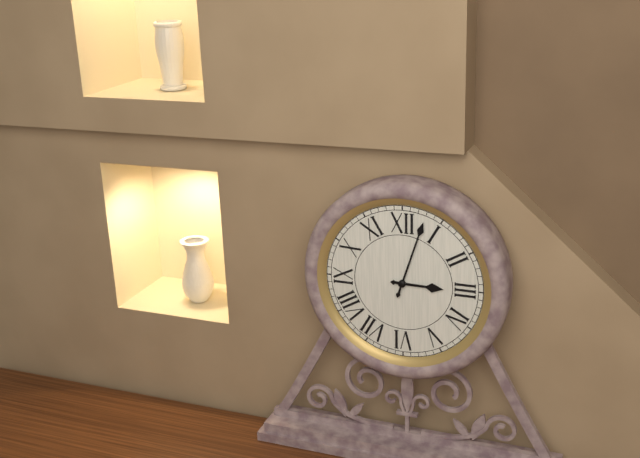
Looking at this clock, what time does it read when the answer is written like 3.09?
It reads 3.03
